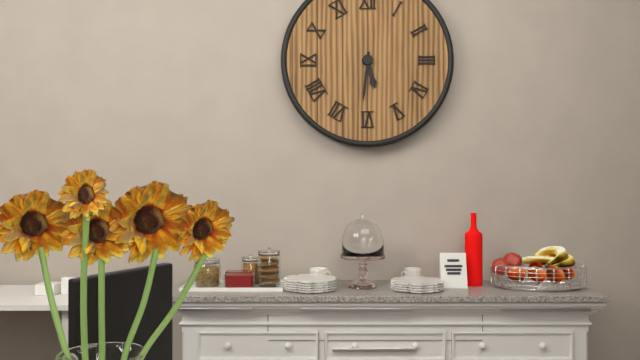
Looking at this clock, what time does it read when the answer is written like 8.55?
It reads 5.31
